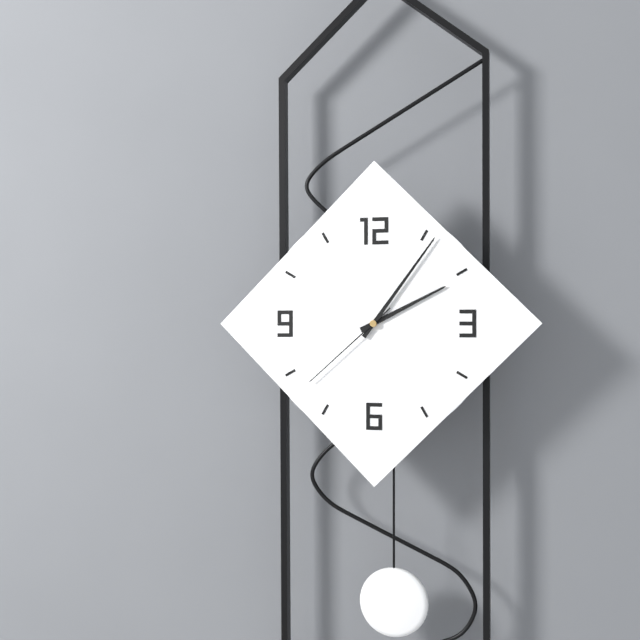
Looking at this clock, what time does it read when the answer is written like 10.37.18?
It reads 2.06.38
